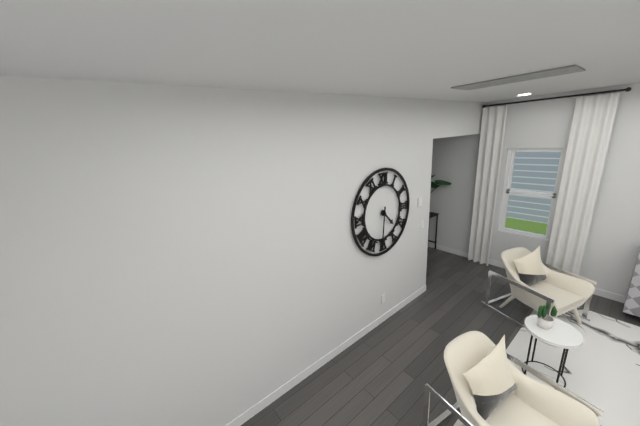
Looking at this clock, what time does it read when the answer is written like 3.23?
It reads 4.31
